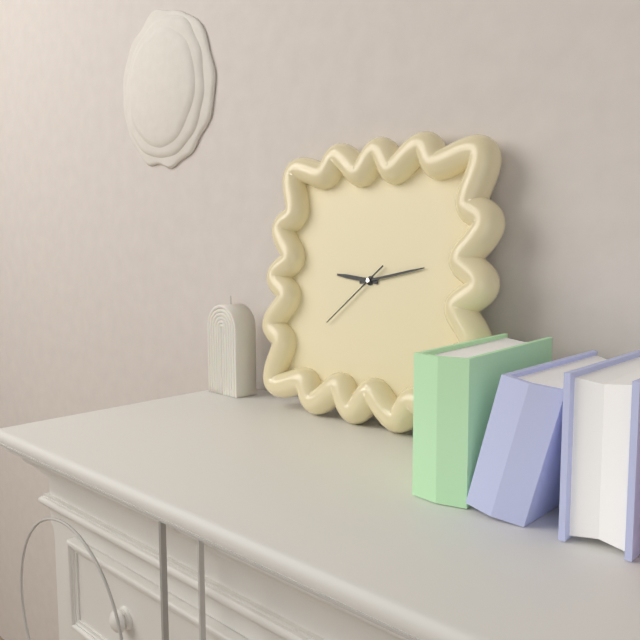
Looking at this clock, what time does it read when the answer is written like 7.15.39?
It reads 9.13.38
